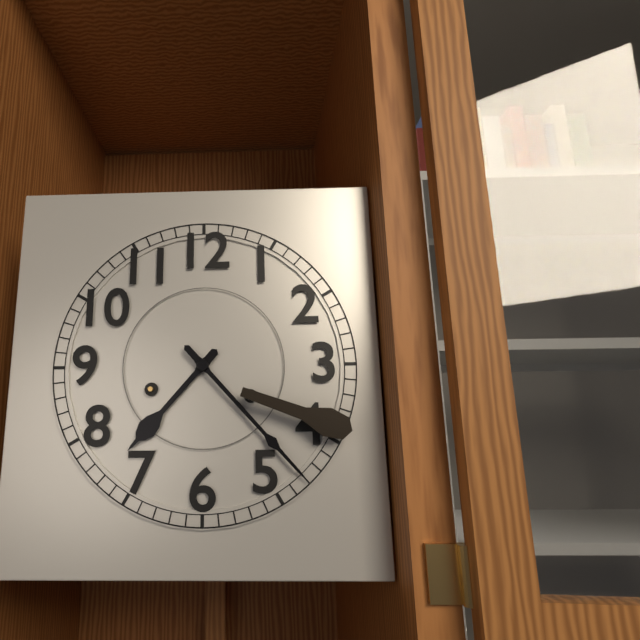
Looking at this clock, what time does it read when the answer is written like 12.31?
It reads 7.23
